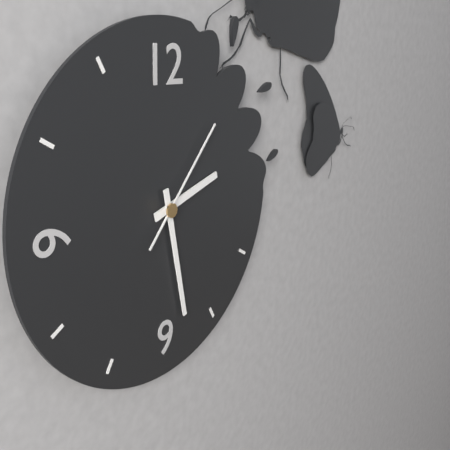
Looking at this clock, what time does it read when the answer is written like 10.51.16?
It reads 2.28.07
